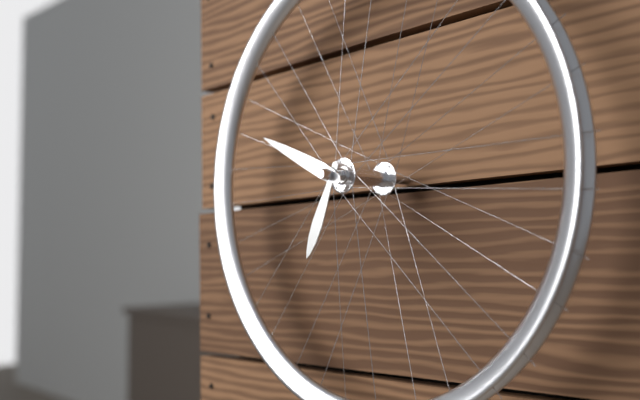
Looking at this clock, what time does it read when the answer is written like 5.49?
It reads 6.49
